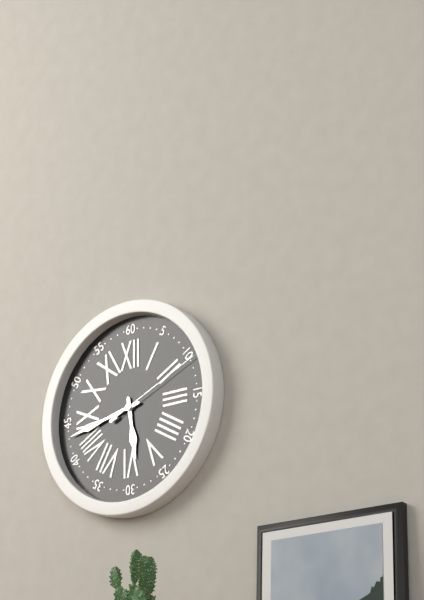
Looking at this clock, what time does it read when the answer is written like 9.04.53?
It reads 5.43.11
